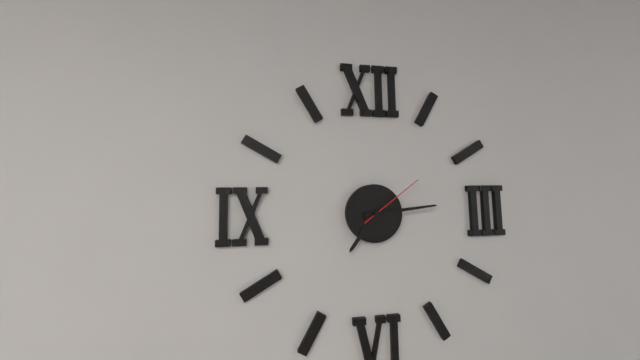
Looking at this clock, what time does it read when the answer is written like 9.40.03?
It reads 7.14.09
